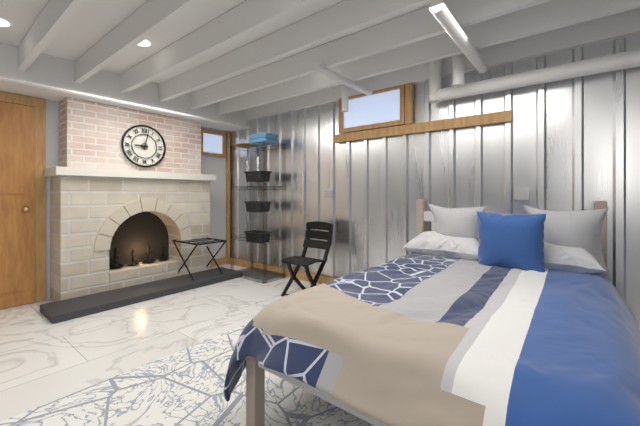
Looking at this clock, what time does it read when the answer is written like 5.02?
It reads 9.02
